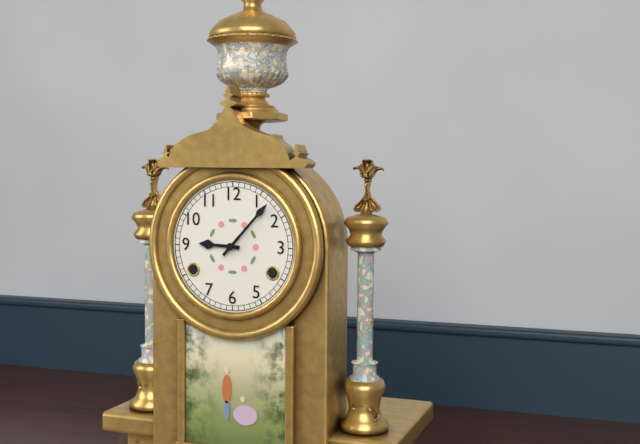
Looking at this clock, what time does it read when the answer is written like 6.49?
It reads 9.07
